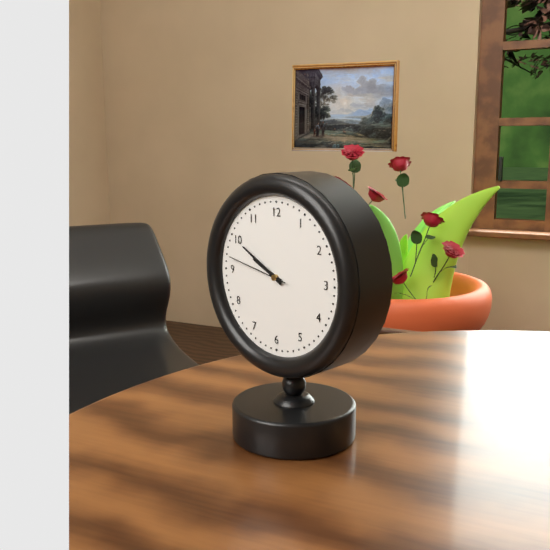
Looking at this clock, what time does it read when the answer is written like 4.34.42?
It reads 9.50.47
